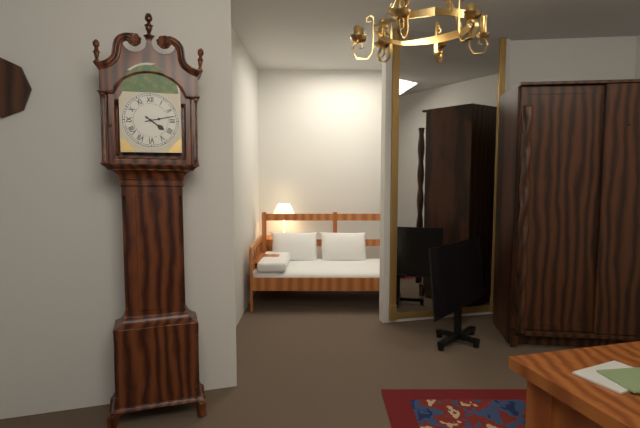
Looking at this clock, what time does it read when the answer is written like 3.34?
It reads 4.13
